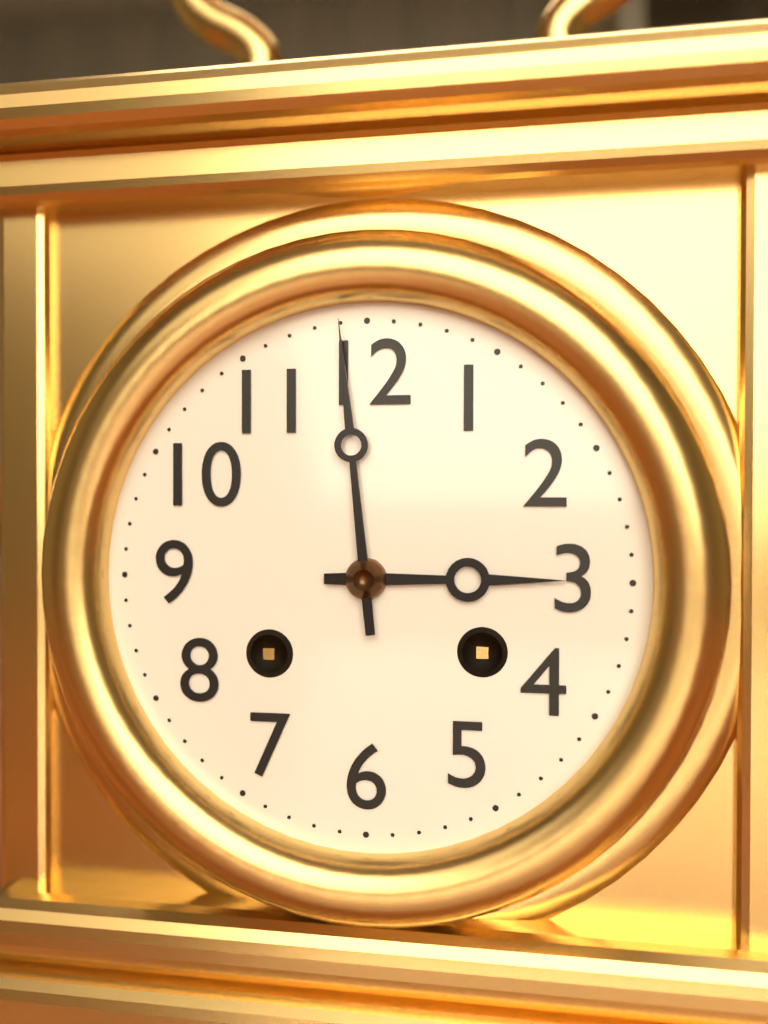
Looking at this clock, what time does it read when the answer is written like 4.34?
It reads 2.59
